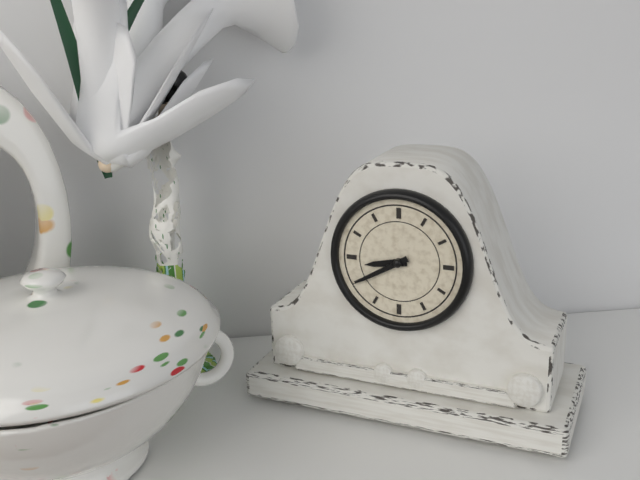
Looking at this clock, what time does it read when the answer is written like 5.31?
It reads 8.40
